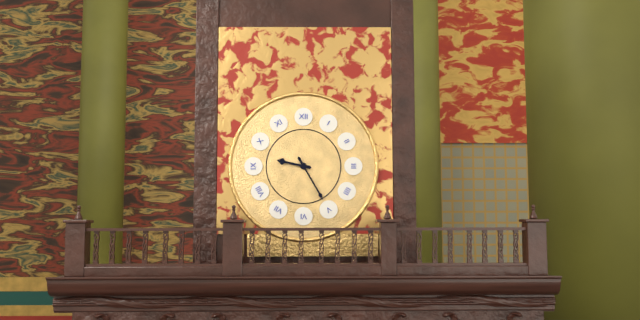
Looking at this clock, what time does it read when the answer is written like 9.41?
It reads 9.25
